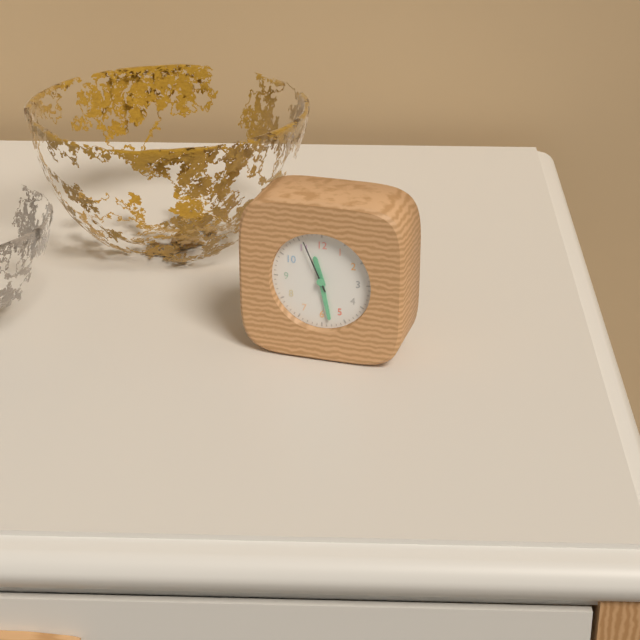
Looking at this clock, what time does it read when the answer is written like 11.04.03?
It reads 11.28.56
